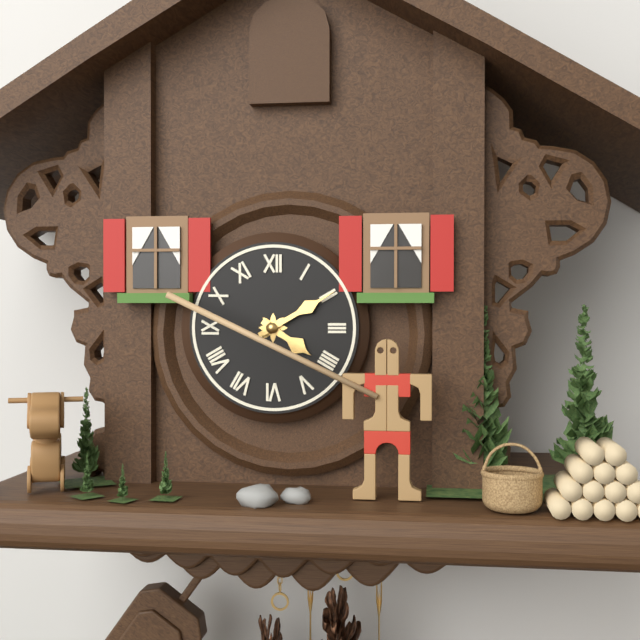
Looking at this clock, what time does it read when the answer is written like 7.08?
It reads 4.10
